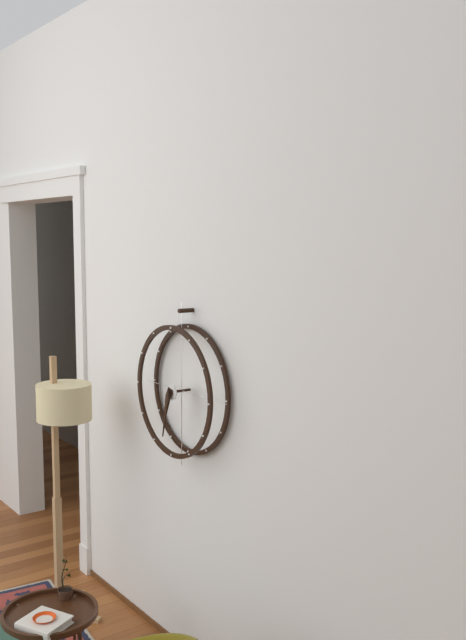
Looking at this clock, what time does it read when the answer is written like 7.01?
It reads 6.32
